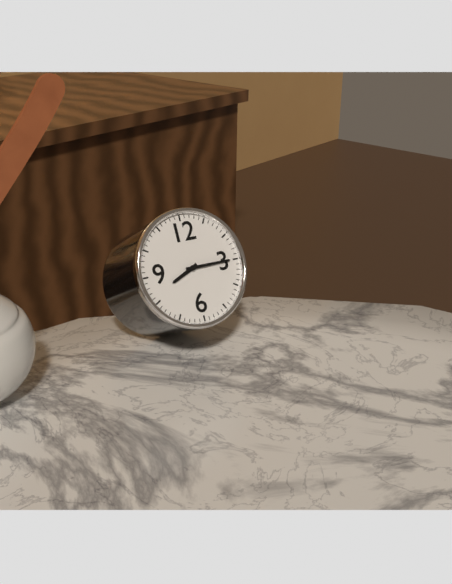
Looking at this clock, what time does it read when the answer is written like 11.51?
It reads 8.15
